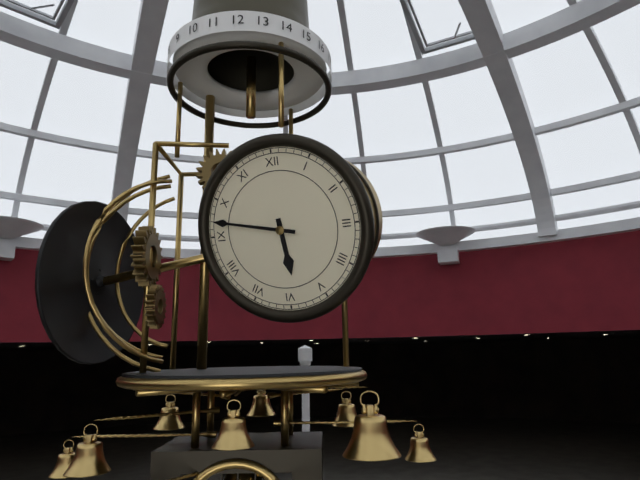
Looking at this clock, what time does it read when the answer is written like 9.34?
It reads 5.47
